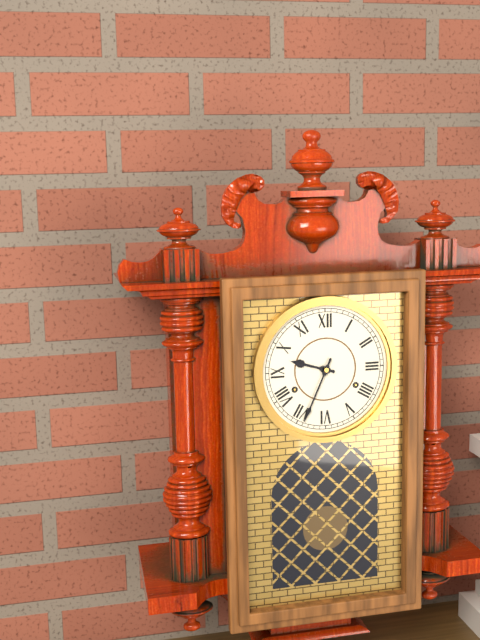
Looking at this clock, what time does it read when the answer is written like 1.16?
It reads 9.34
